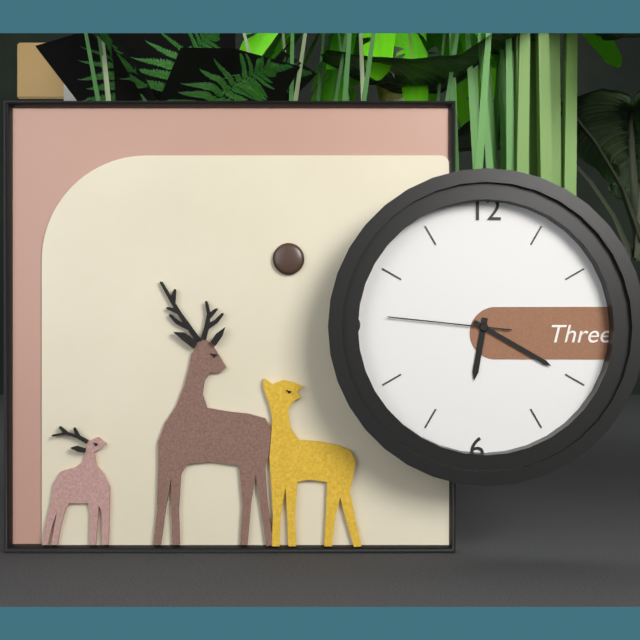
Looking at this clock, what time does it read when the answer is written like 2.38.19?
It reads 6.20.46
